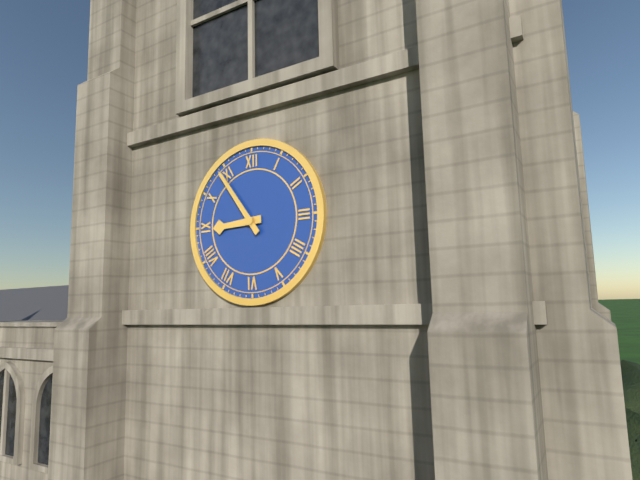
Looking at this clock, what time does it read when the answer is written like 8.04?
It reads 8.54
